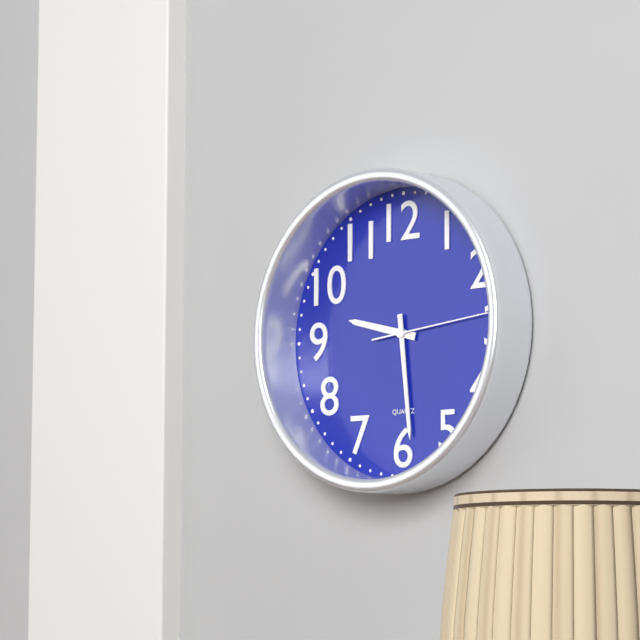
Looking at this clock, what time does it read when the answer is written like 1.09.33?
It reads 9.29.14
